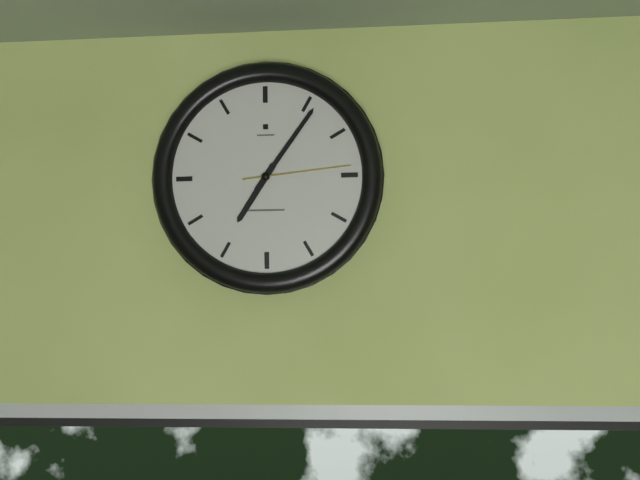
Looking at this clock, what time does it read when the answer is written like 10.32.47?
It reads 7.06.14
